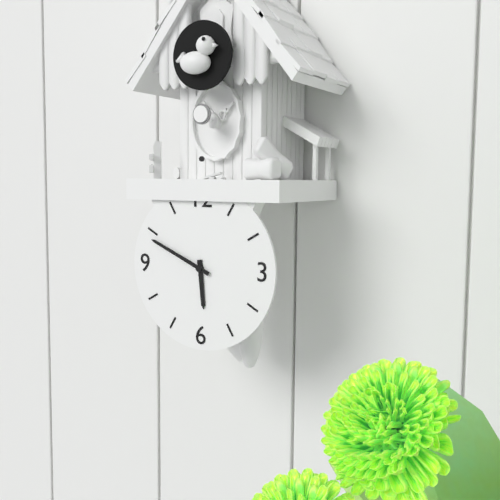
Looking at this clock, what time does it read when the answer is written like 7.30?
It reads 5.49
